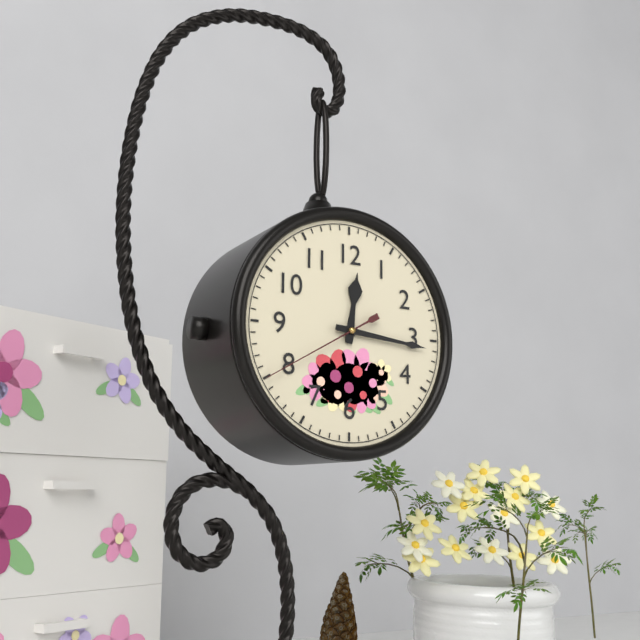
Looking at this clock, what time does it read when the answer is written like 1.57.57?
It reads 12.16.40
